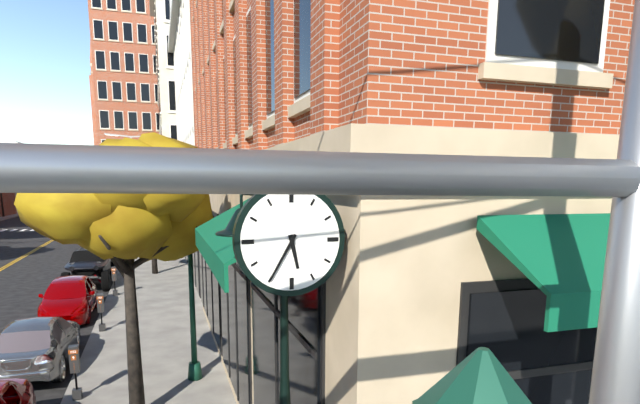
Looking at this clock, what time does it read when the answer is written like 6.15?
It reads 5.35
